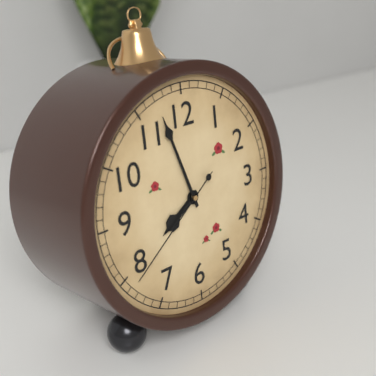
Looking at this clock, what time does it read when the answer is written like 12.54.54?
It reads 7.57.39
